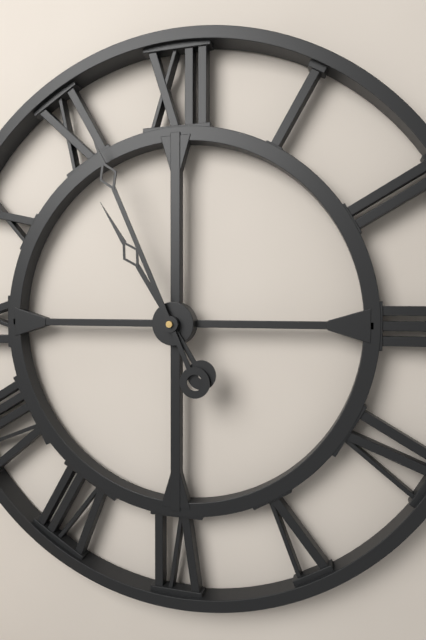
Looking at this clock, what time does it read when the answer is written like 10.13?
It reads 10.56
